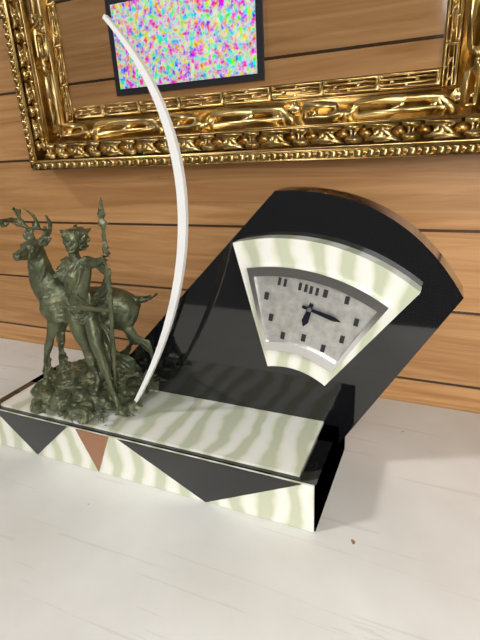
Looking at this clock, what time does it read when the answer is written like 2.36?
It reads 6.16
